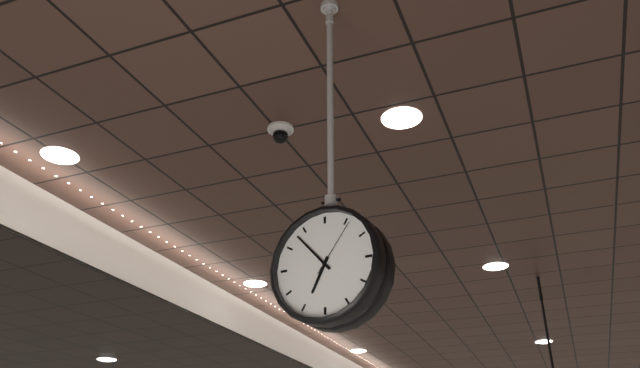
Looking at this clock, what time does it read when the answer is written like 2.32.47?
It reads 6.53.06
